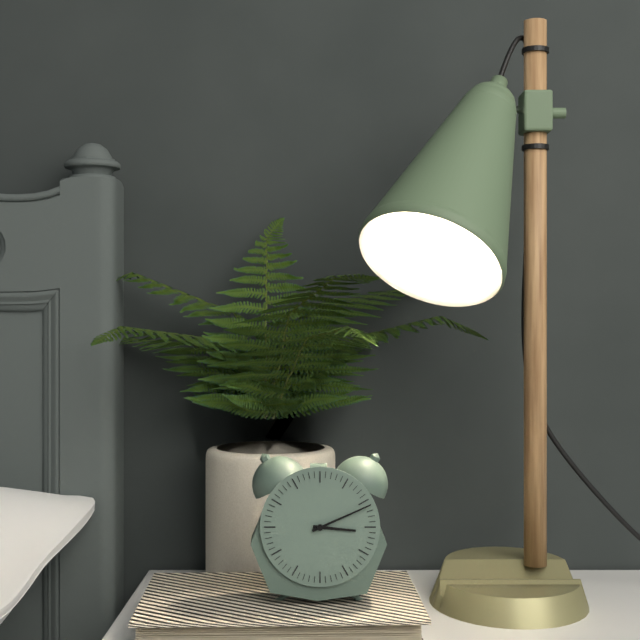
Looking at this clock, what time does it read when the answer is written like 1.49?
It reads 3.11
